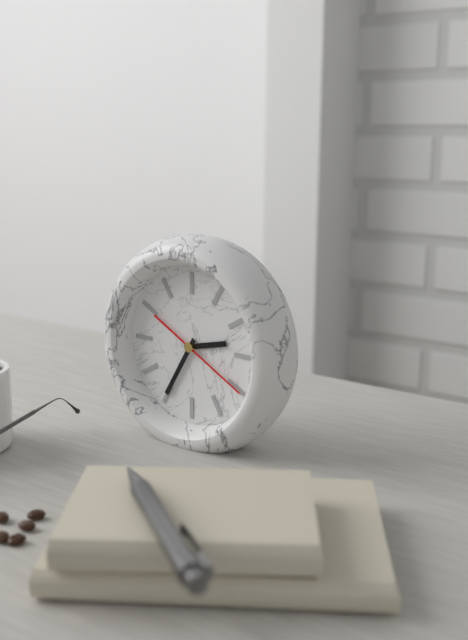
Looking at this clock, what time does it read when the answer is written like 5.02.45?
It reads 2.35.20
